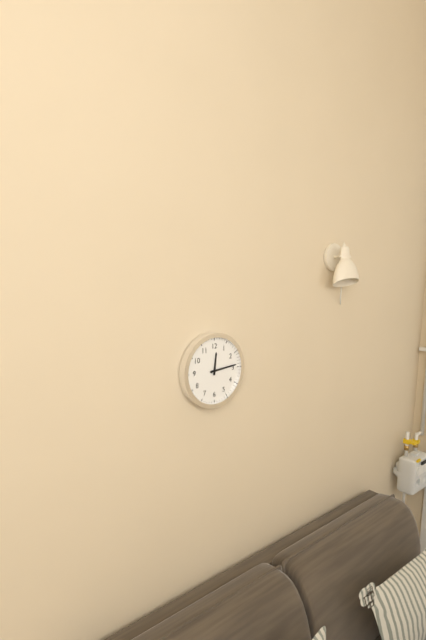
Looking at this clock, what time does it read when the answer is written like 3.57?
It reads 12.14
